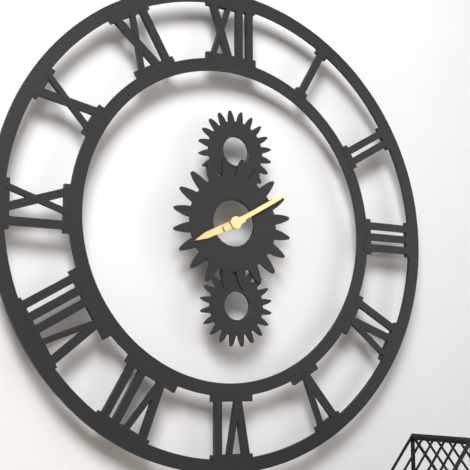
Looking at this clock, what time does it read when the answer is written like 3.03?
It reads 8.10
